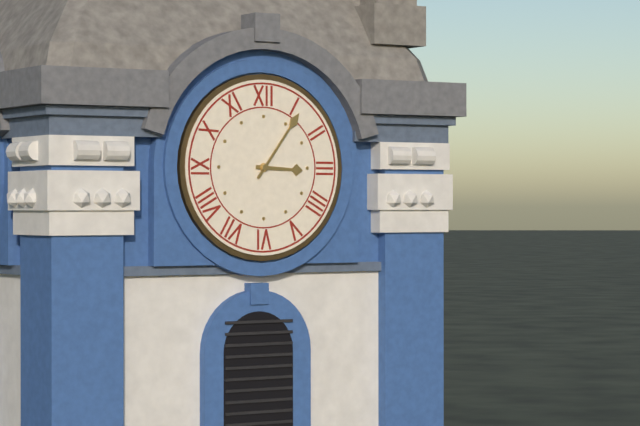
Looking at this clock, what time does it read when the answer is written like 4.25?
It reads 3.06
